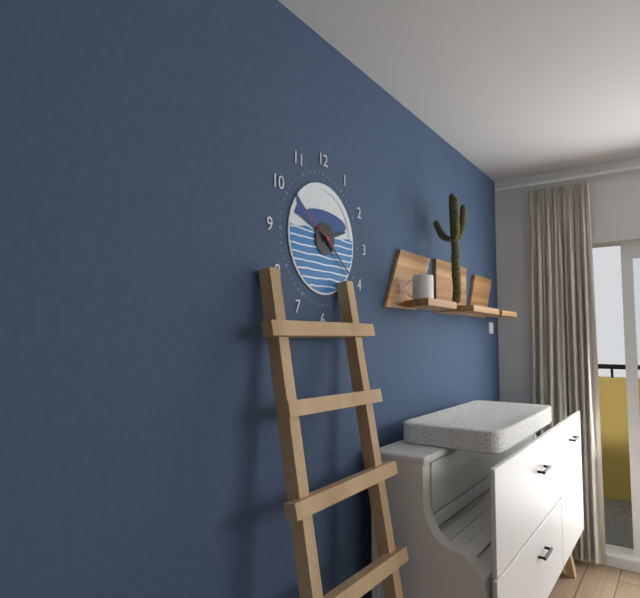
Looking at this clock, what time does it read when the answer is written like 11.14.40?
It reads 2.21.50
